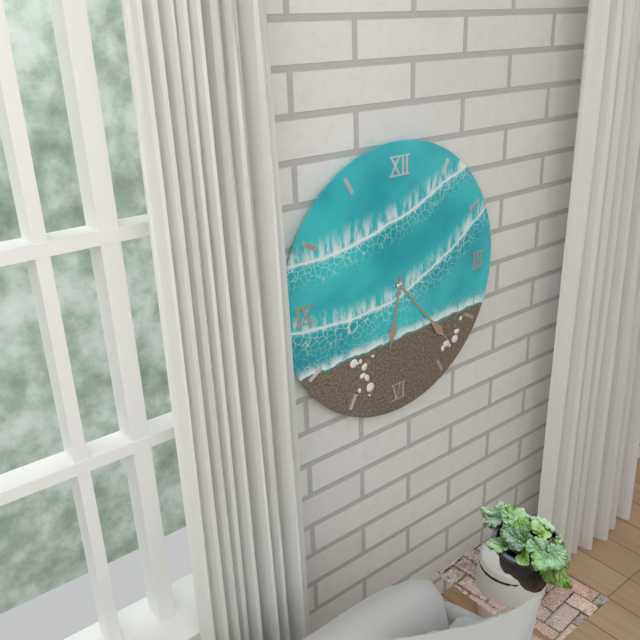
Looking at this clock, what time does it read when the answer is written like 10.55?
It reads 6.23
